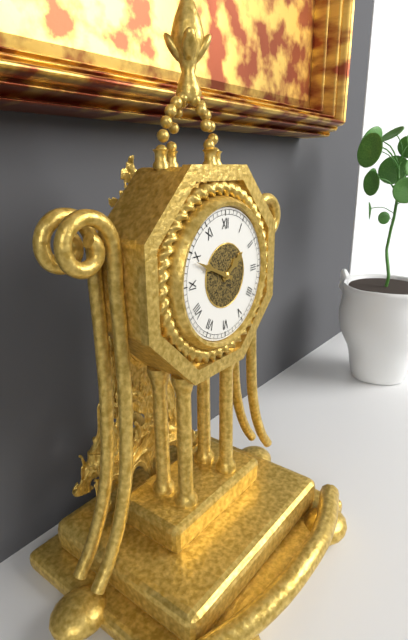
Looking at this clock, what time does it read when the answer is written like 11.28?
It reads 1.49
